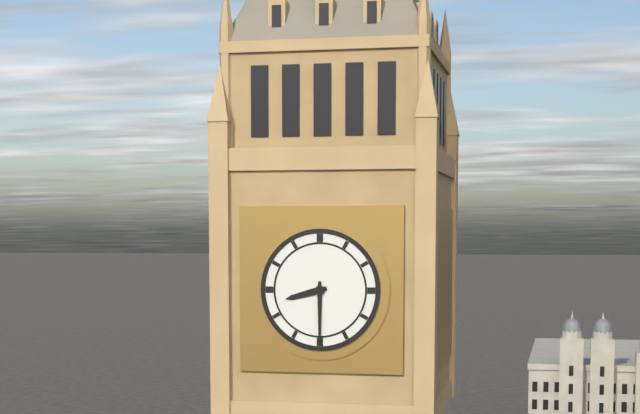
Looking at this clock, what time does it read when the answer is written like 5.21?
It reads 8.30
